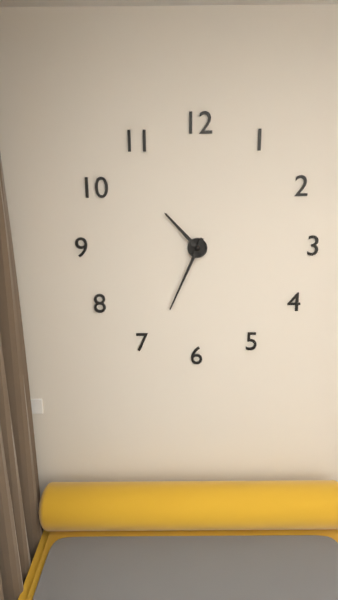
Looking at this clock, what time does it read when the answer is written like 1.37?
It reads 10.34
